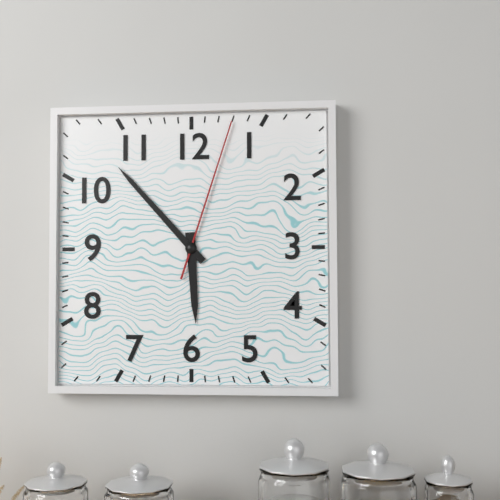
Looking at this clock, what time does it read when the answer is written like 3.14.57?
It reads 5.53.03
